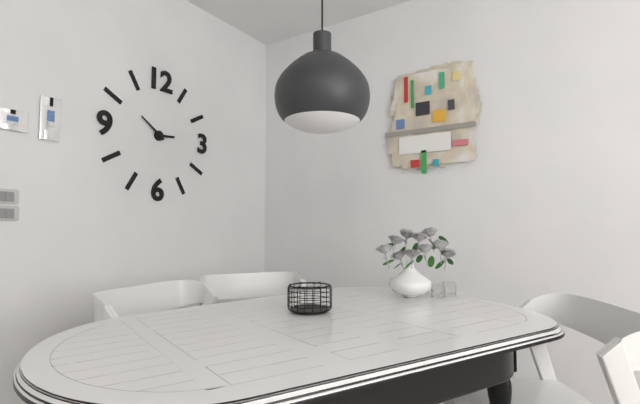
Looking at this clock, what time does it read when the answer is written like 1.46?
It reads 2.51
